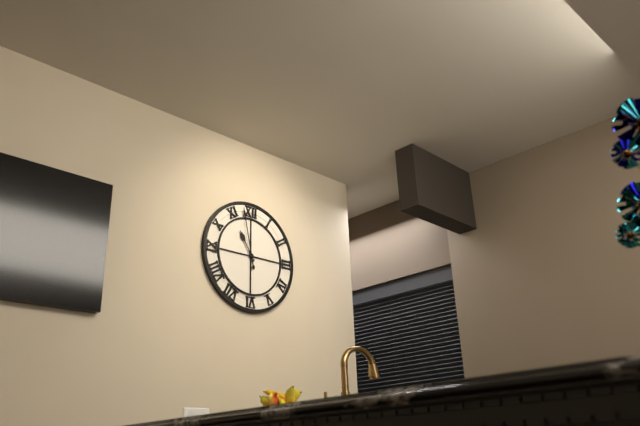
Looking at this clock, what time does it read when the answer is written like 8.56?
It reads 10.58
